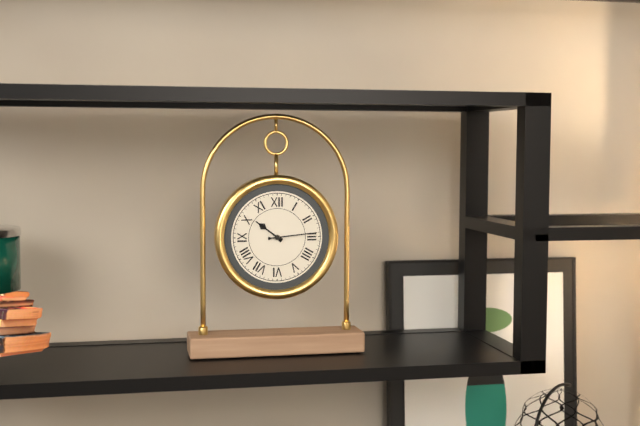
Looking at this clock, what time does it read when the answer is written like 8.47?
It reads 10.14
